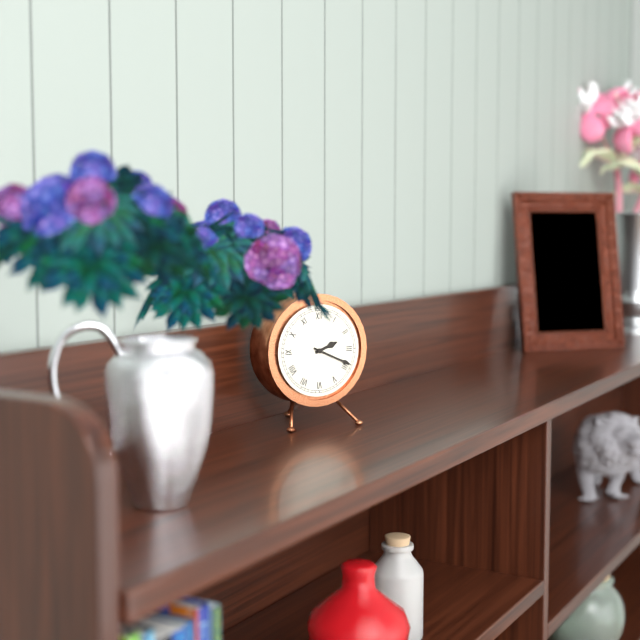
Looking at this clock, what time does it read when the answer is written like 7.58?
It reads 2.19
